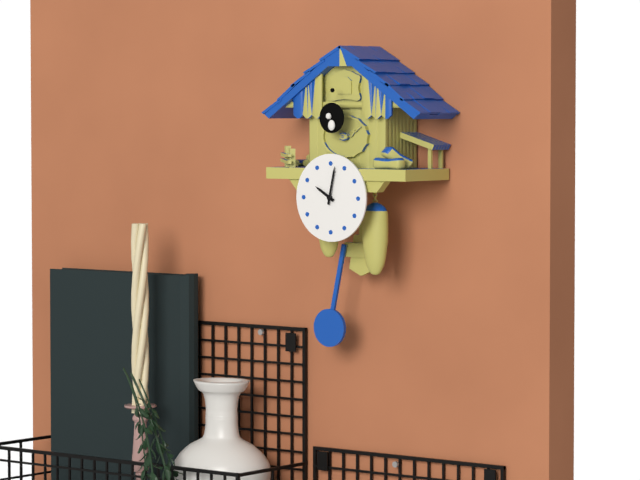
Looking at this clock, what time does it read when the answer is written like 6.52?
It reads 10.02
